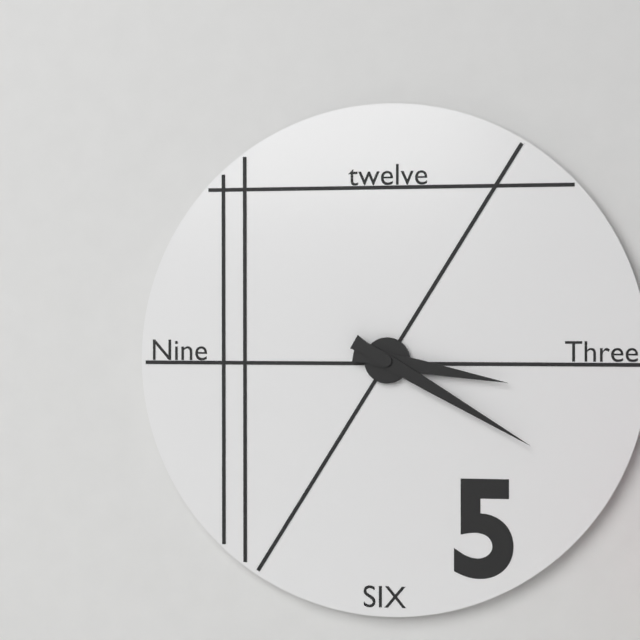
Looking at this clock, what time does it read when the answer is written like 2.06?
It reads 3.20
